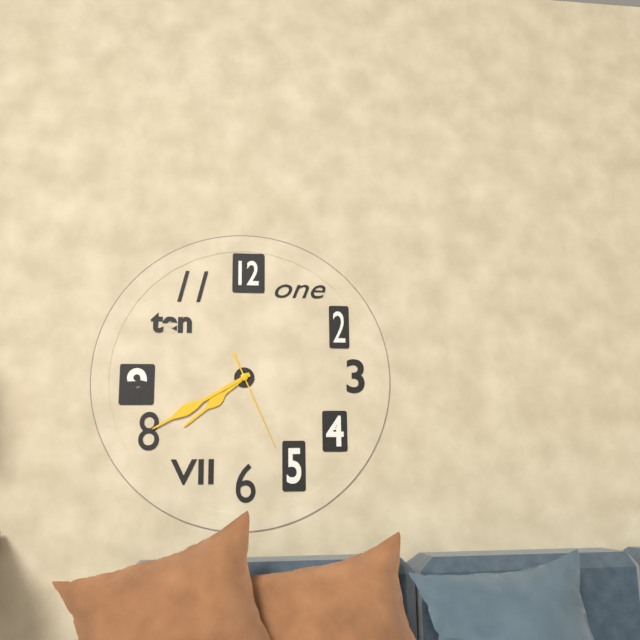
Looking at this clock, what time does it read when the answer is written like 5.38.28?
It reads 7.40.26
